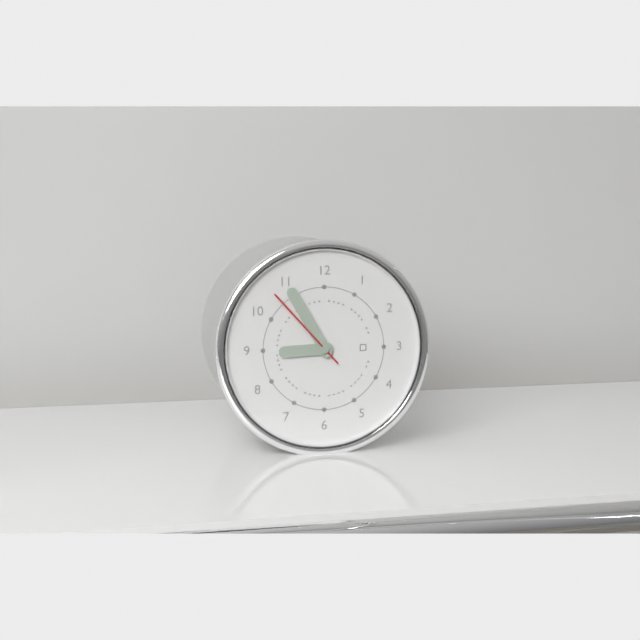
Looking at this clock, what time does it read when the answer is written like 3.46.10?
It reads 8.55.53
